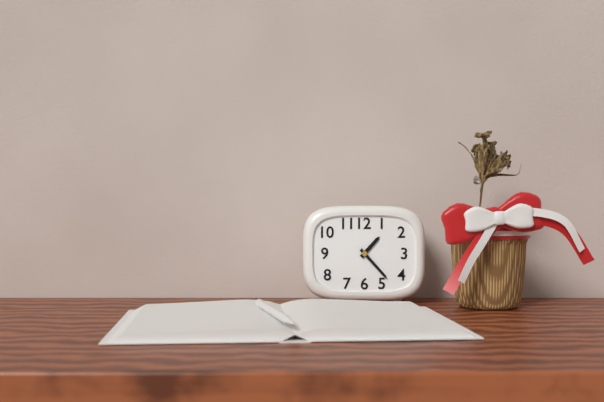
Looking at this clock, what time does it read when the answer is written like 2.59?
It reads 1.23
